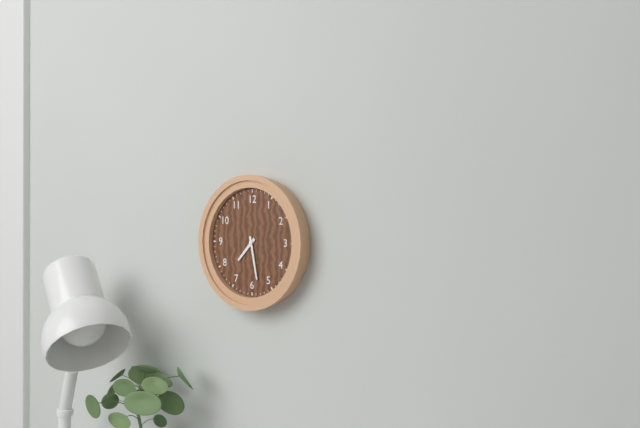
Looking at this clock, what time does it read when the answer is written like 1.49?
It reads 7.28
